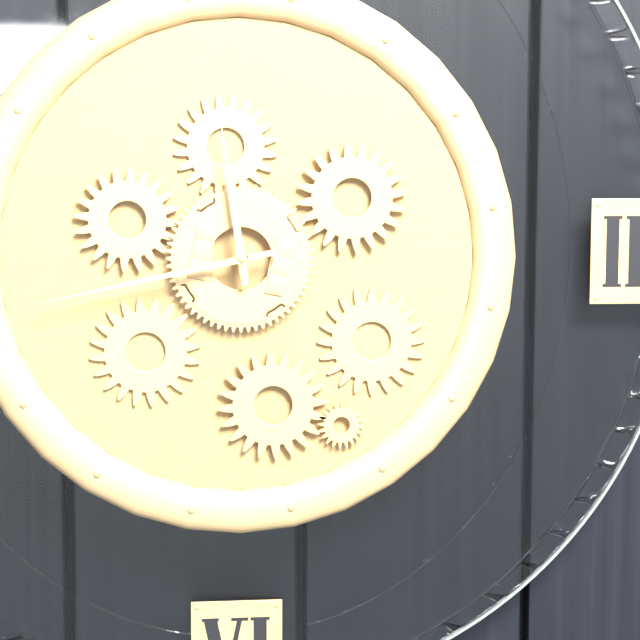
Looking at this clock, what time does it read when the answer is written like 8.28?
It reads 11.43
